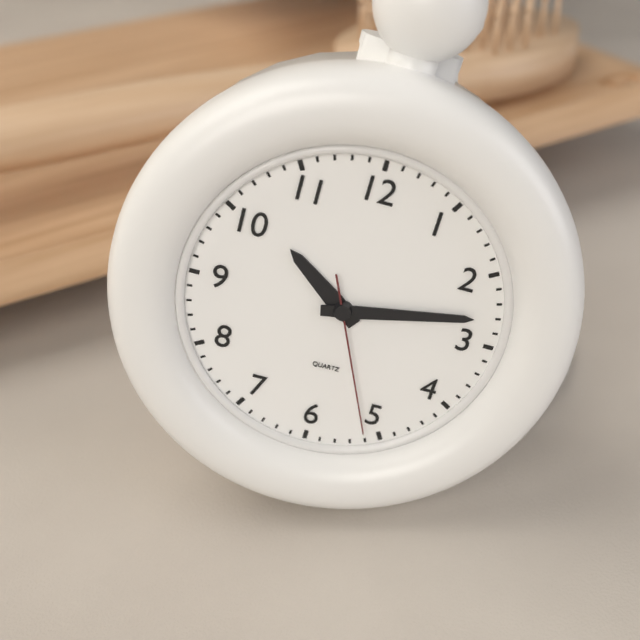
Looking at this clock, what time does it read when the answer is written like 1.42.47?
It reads 10.13.26
